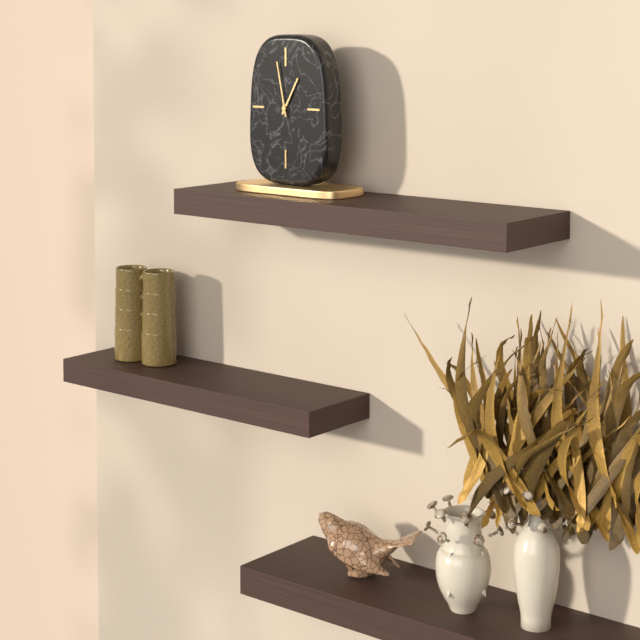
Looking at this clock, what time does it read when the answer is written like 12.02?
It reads 12.58
